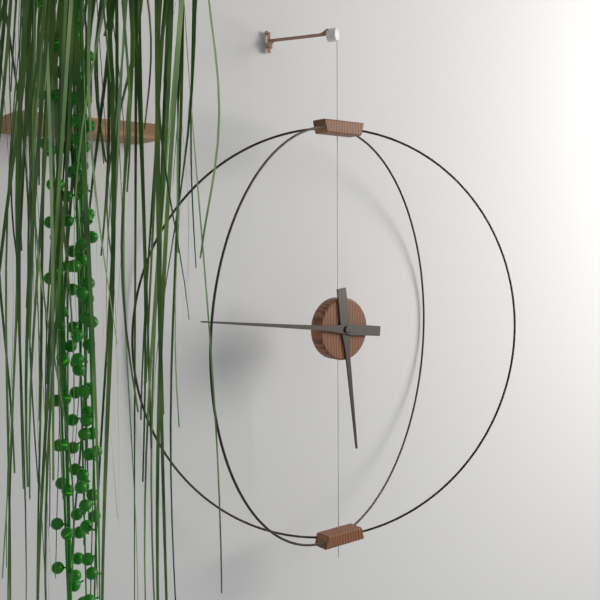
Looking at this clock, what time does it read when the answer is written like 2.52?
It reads 5.46
